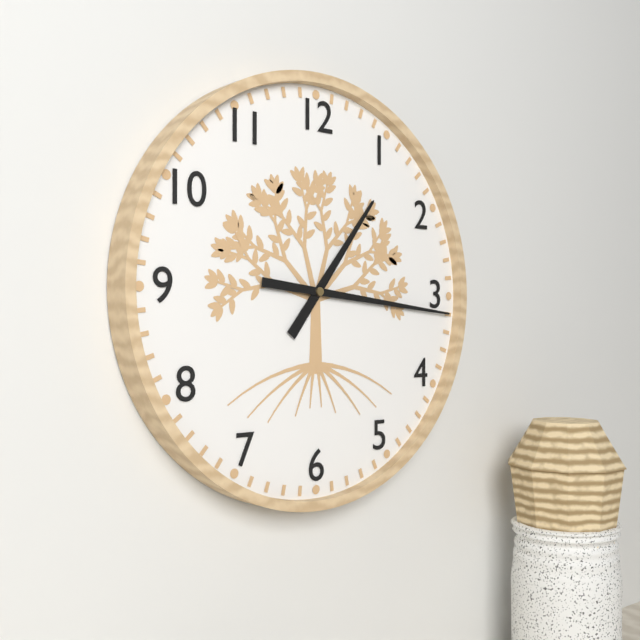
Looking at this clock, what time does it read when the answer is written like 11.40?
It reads 1.16
